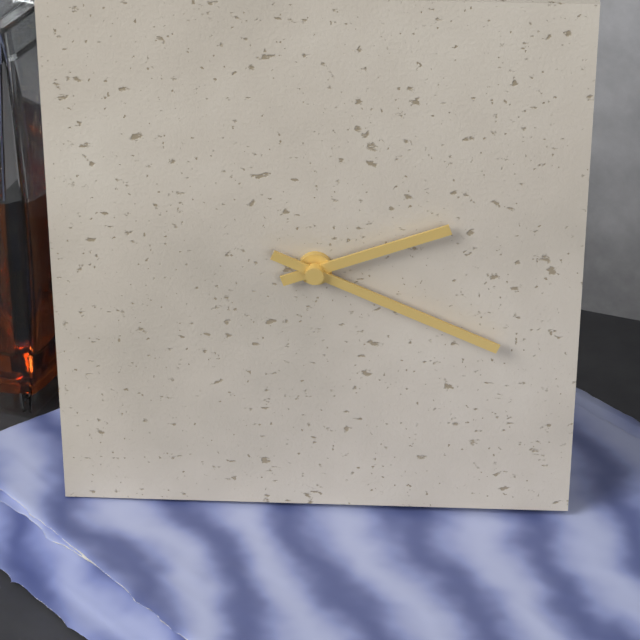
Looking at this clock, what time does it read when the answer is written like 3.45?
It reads 2.19
